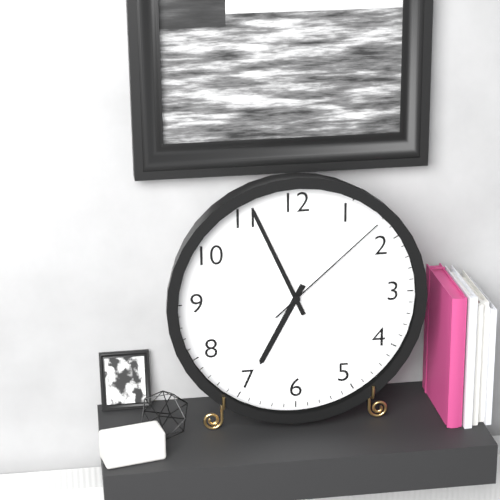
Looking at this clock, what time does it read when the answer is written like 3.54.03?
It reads 6.56.08
